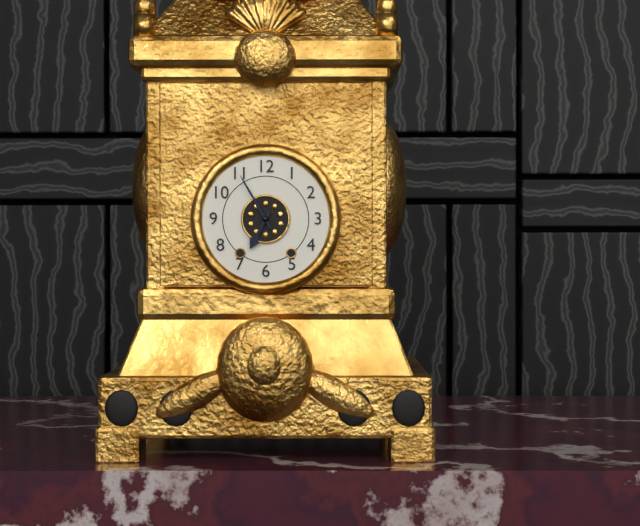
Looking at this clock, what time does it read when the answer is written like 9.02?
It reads 6.55
